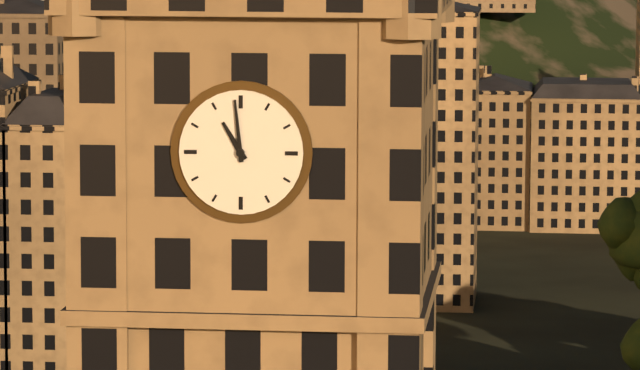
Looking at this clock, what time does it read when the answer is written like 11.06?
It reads 10.59
